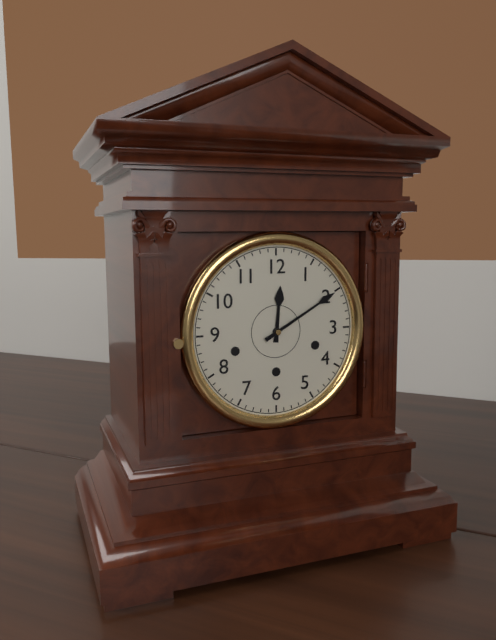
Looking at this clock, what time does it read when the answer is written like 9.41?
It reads 12.10
